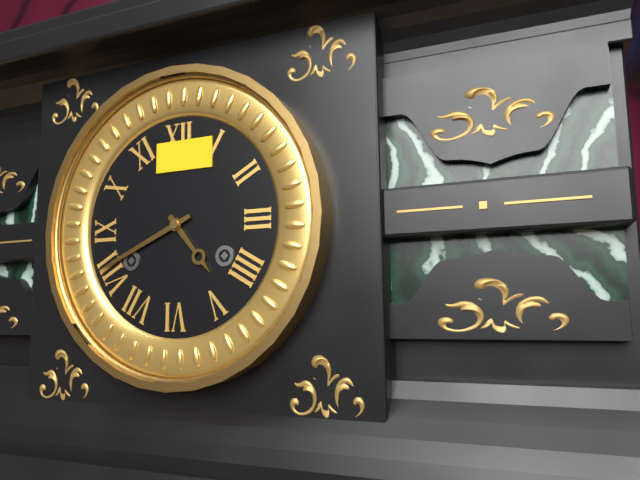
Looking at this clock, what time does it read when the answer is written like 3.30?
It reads 4.41
